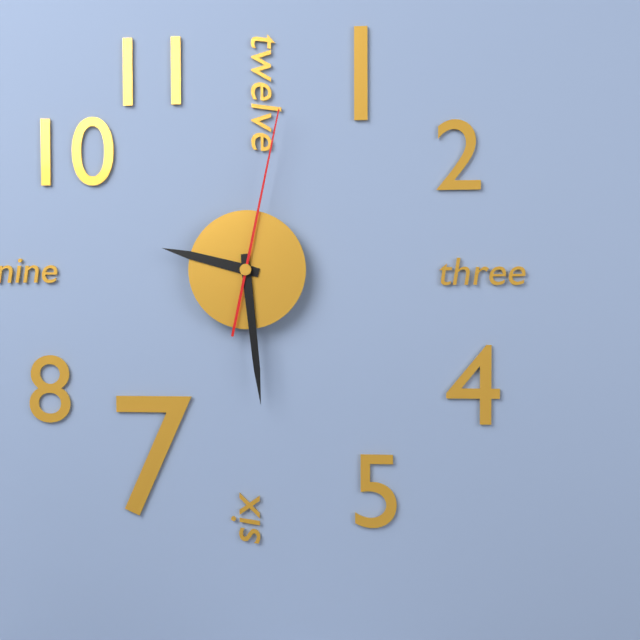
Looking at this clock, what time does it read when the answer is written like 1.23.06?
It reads 9.29.02
